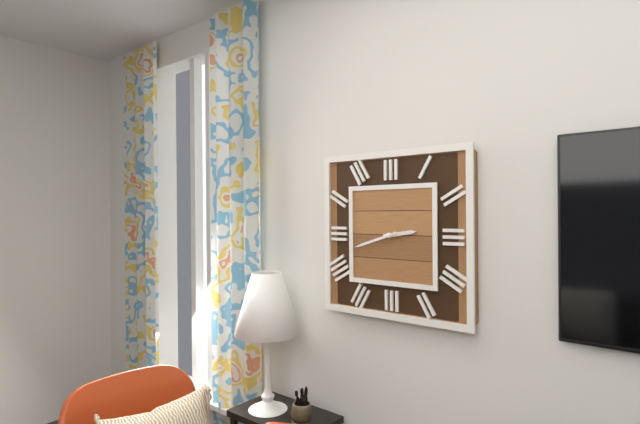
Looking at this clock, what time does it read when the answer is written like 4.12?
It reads 2.42
